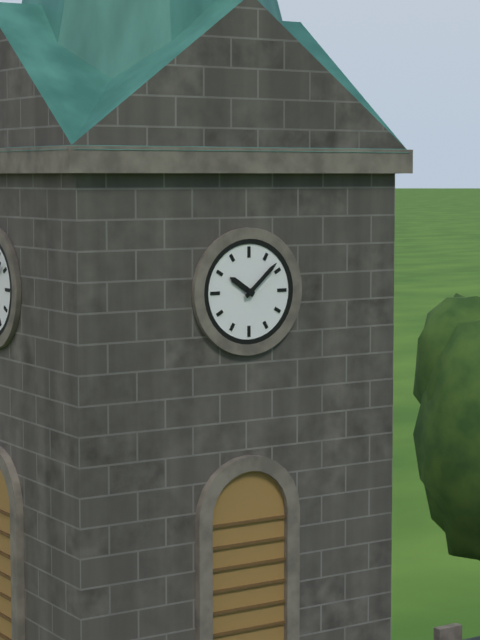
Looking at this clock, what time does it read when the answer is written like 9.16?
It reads 10.08
